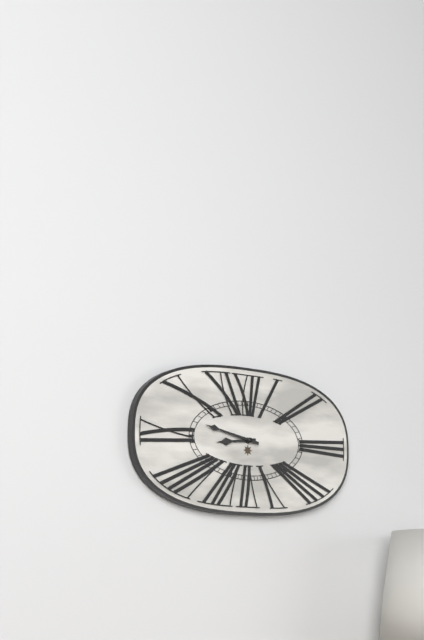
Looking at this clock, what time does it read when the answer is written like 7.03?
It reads 8.47
